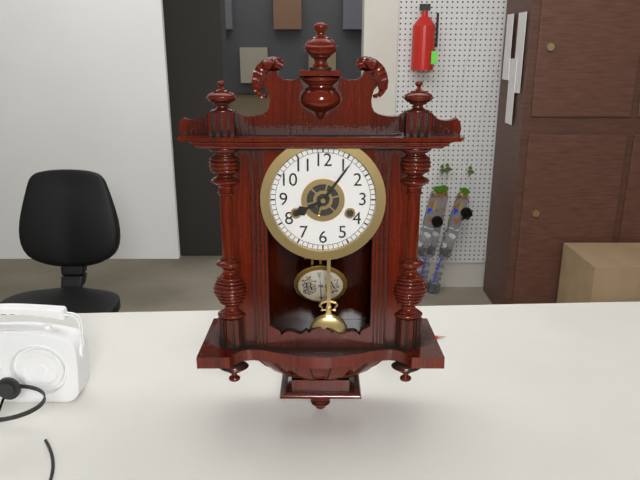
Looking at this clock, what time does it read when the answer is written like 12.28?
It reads 8.06
